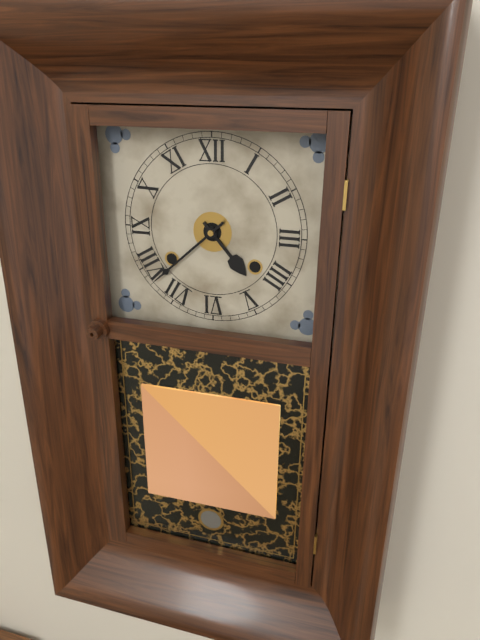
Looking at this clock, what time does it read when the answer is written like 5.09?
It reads 4.38
